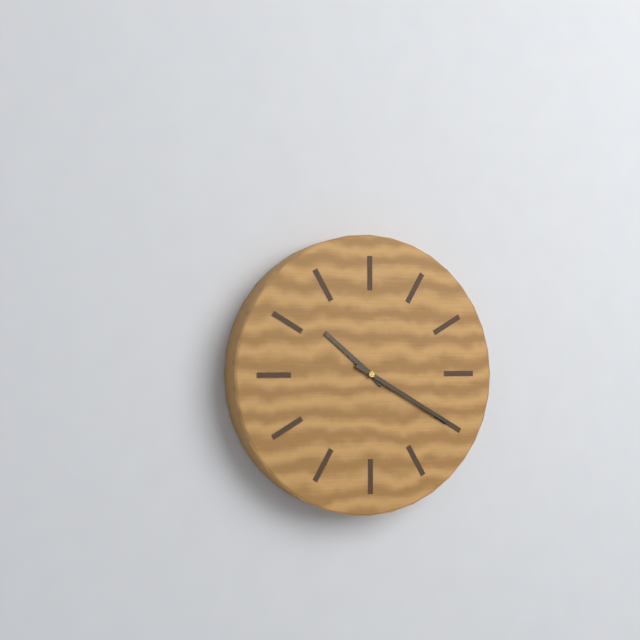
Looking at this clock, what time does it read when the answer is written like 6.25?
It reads 10.20
